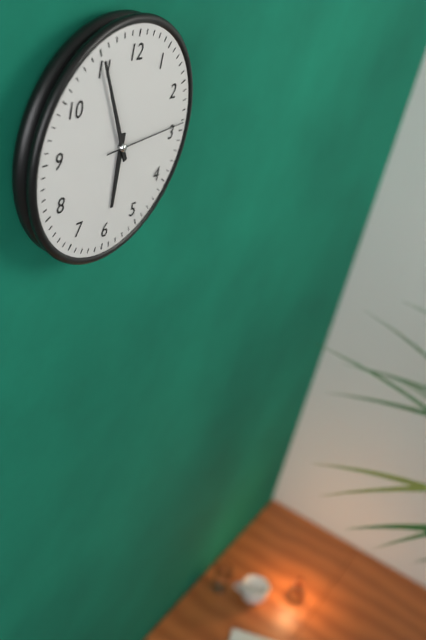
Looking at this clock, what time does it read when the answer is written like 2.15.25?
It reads 5.55.14
